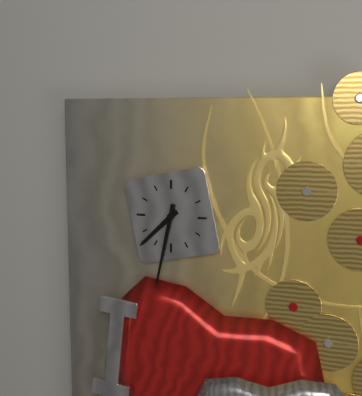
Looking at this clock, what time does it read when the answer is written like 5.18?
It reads 7.32
